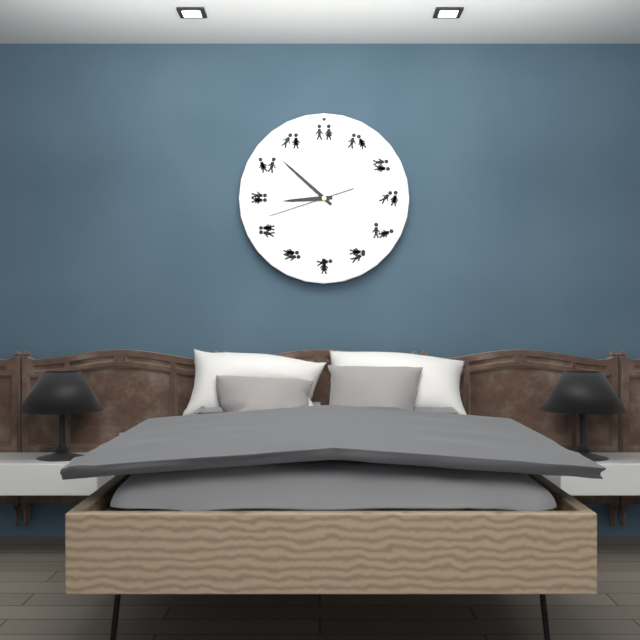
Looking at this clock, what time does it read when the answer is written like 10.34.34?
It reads 8.52.42
